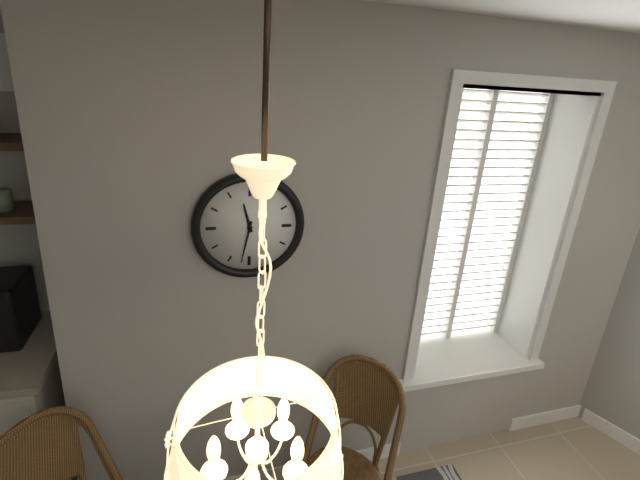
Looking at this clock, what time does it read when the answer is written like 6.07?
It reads 11.32
